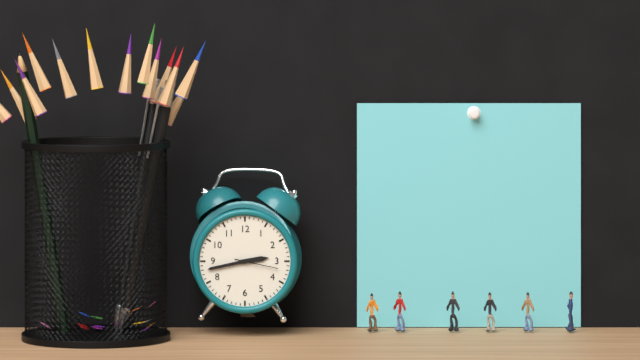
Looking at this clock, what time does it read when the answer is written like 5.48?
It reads 2.43
